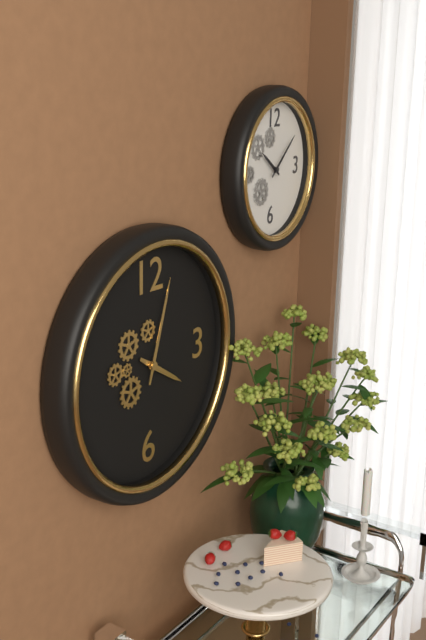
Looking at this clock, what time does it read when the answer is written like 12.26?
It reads 4.03
